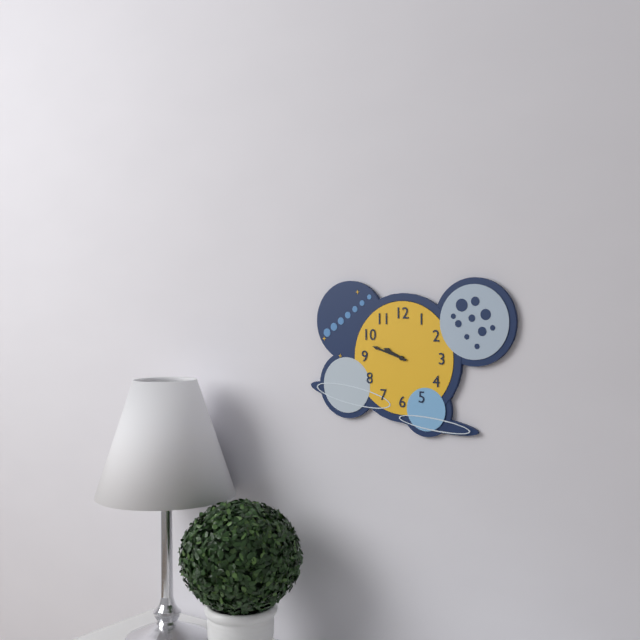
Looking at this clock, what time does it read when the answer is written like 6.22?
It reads 9.48
